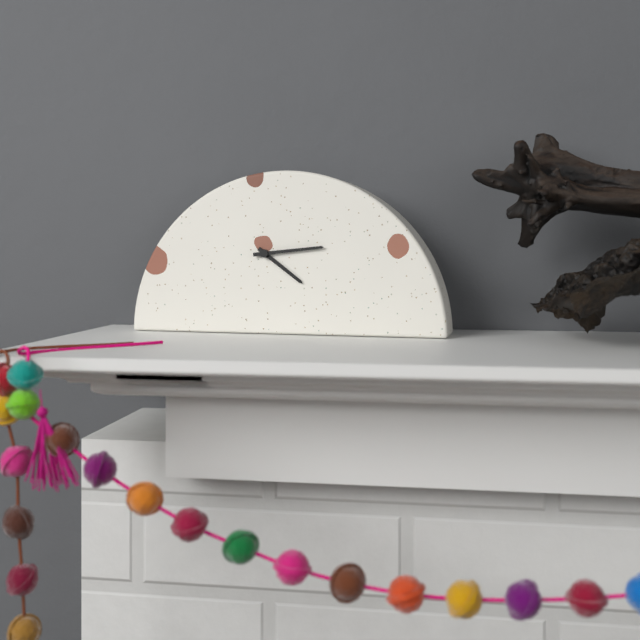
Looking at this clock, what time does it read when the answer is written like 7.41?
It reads 4.14
